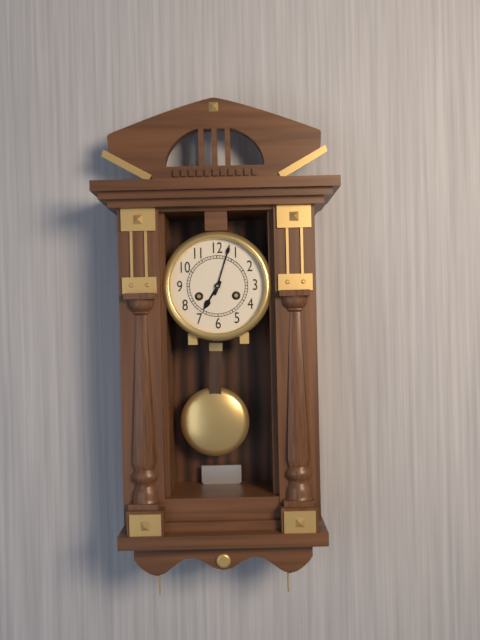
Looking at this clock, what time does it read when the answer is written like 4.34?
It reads 7.03
